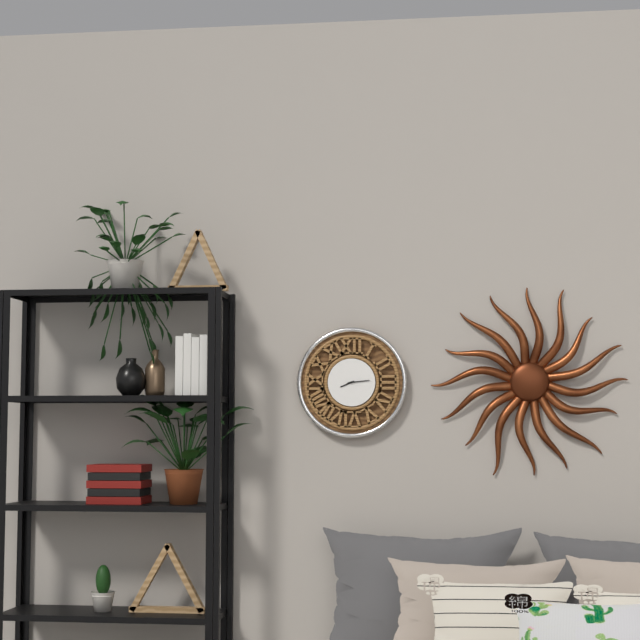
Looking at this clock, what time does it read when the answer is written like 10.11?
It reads 8.14
